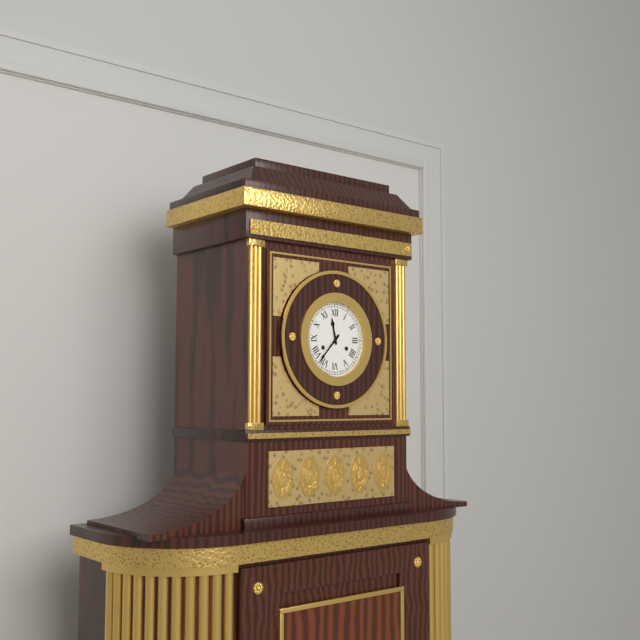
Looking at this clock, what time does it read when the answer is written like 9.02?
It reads 11.37
